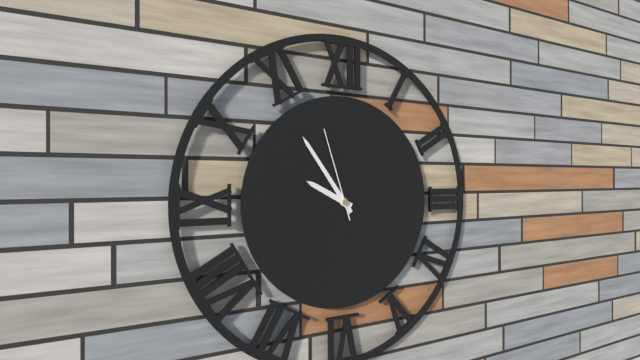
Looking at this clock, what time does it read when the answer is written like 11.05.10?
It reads 9.54.57
